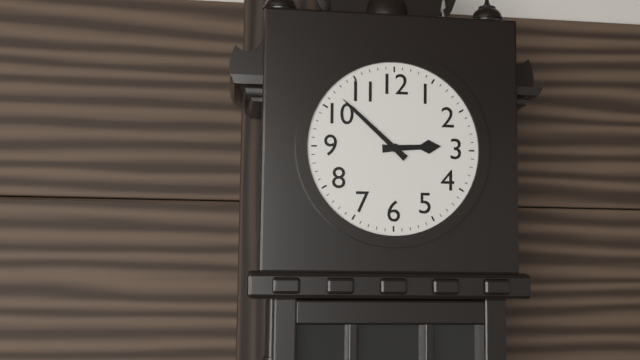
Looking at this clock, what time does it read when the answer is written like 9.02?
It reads 2.52
